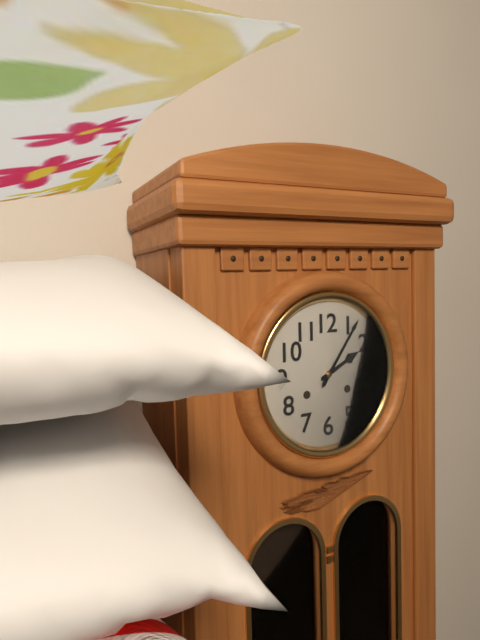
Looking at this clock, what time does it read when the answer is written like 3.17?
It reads 2.06
